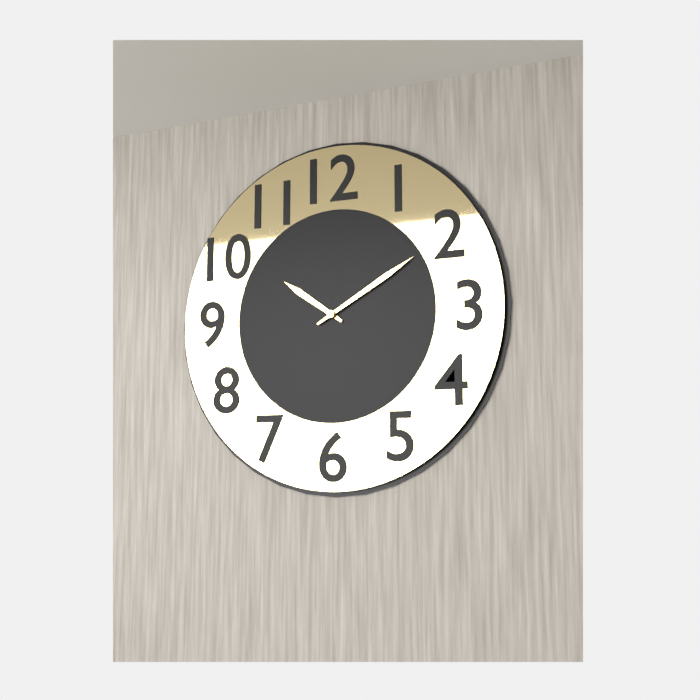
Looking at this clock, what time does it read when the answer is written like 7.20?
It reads 10.10
